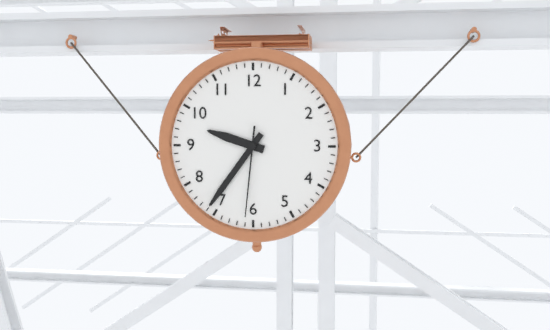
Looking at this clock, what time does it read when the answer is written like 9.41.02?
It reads 9.36.31
